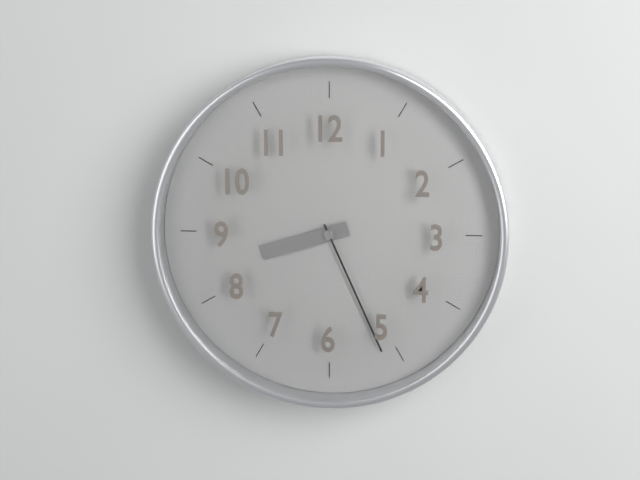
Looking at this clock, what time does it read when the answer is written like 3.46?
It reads 8.26
